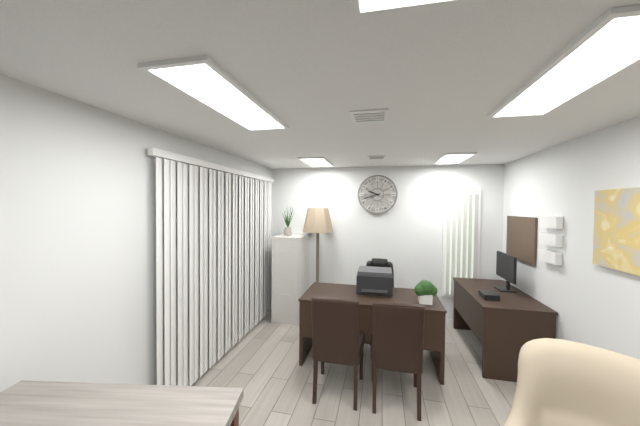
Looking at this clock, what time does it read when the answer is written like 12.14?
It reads 9.42
